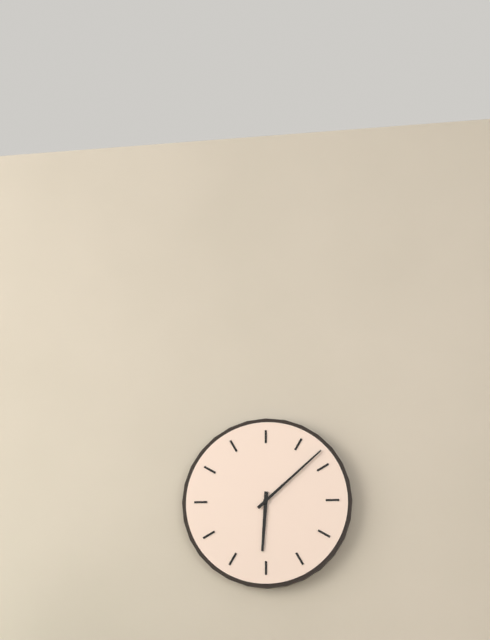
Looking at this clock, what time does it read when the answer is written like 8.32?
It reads 6.08
